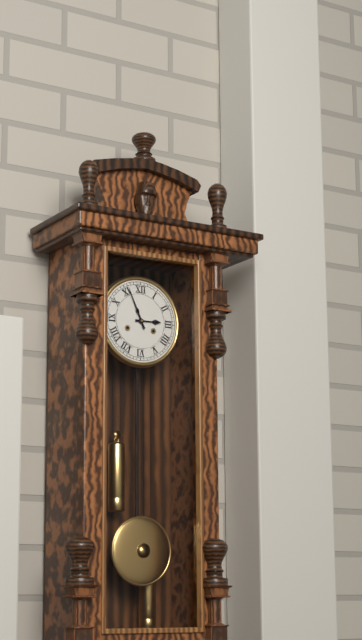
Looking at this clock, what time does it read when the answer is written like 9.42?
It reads 2.56
